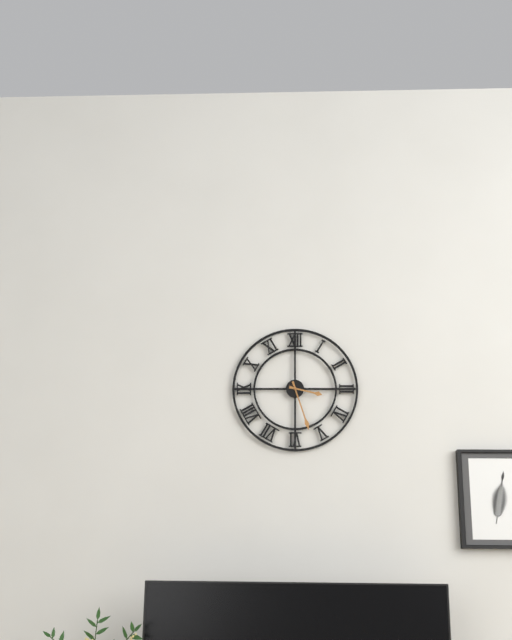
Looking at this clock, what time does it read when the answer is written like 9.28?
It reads 3.27
